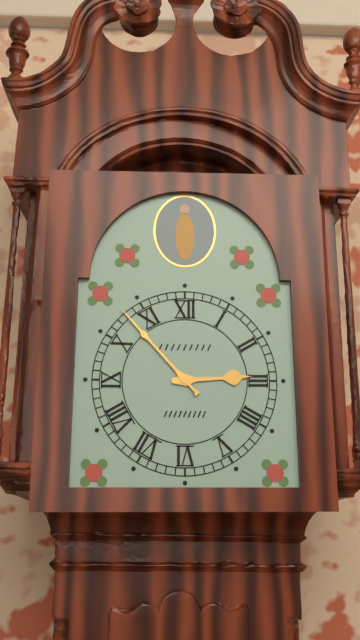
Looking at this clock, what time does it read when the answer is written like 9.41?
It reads 2.53
